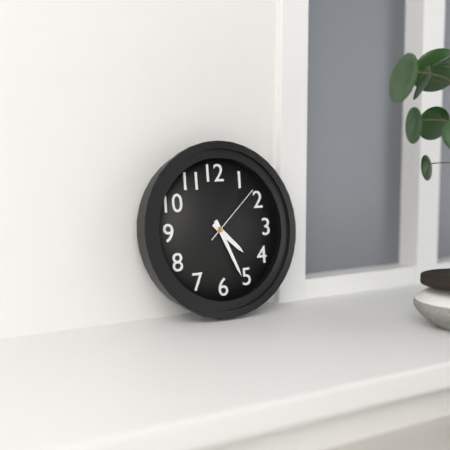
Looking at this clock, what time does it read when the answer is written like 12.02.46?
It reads 4.26.08
